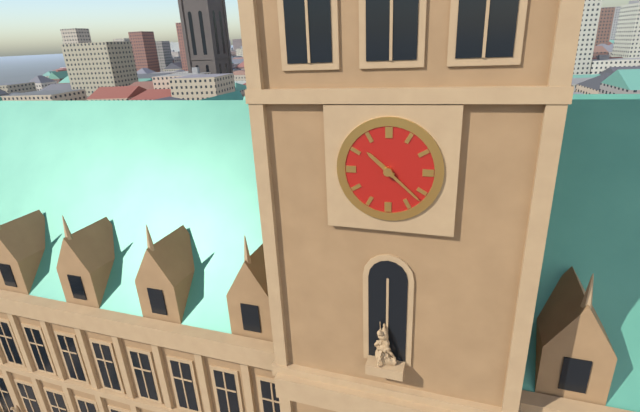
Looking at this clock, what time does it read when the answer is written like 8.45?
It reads 10.22
